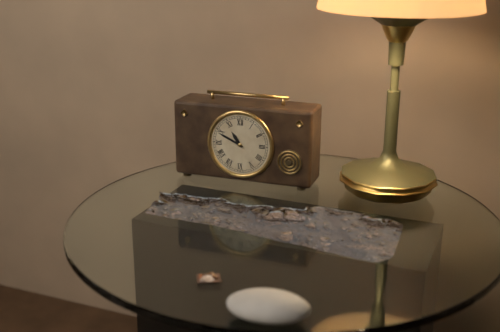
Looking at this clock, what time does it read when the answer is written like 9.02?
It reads 10.49
